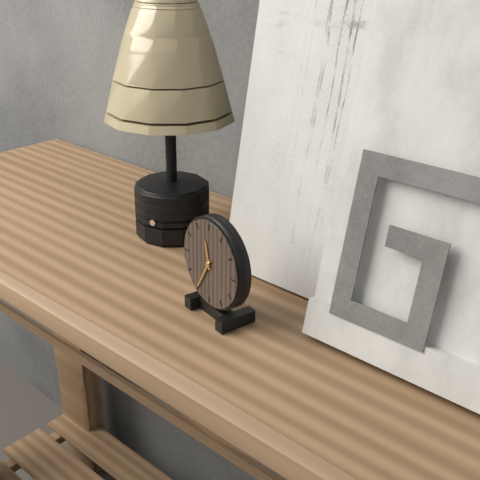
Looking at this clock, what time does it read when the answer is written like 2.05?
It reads 11.35
